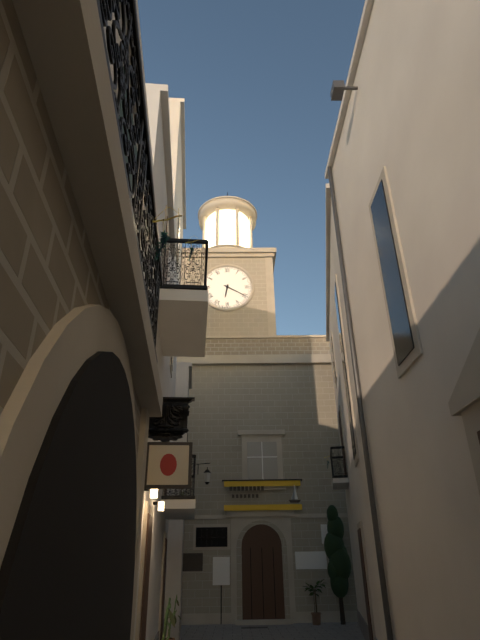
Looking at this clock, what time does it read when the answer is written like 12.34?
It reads 6.20
